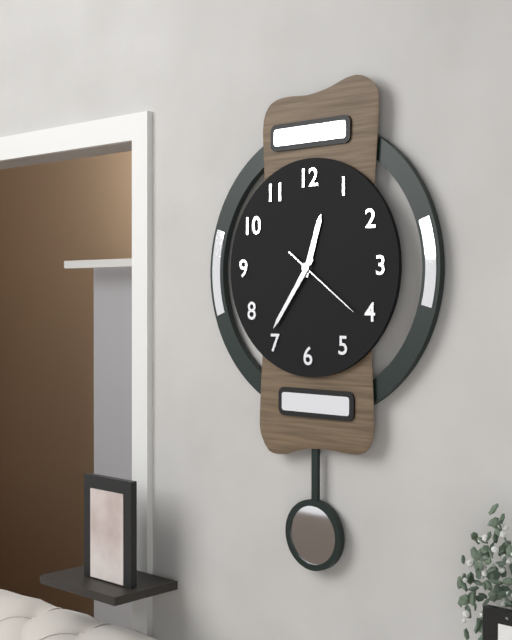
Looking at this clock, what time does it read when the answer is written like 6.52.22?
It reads 12.36.21
